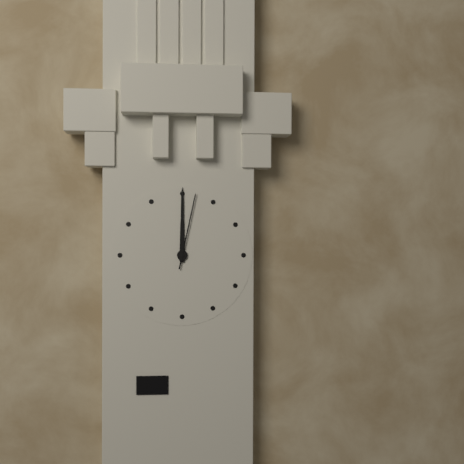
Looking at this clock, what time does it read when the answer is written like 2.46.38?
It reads 12.00.02
